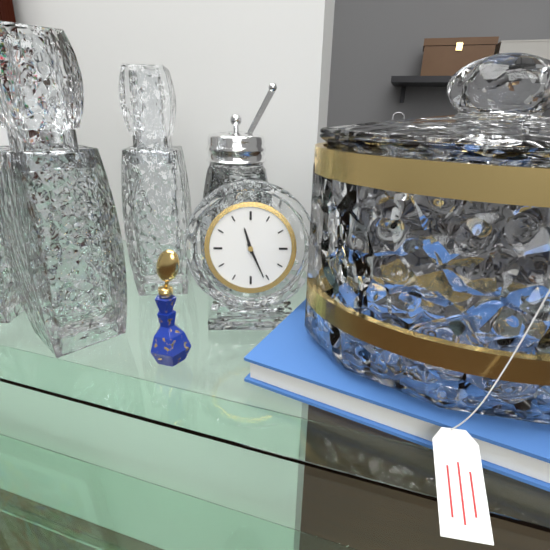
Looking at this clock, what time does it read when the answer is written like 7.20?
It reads 11.26
